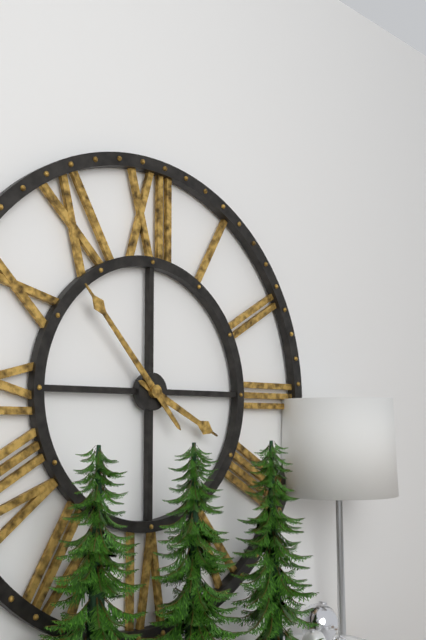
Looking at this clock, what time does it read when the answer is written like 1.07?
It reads 3.53
